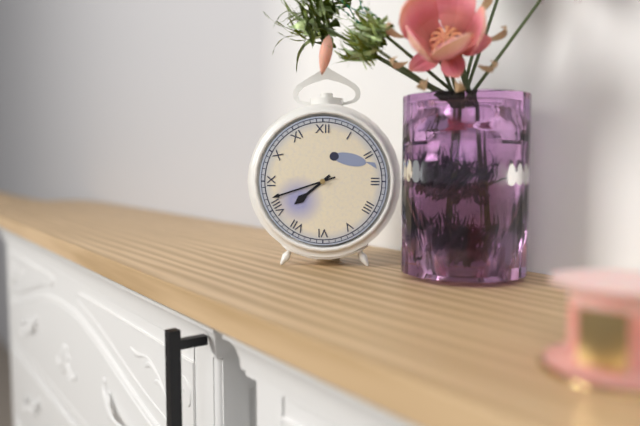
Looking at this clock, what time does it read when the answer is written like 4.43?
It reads 7.42
